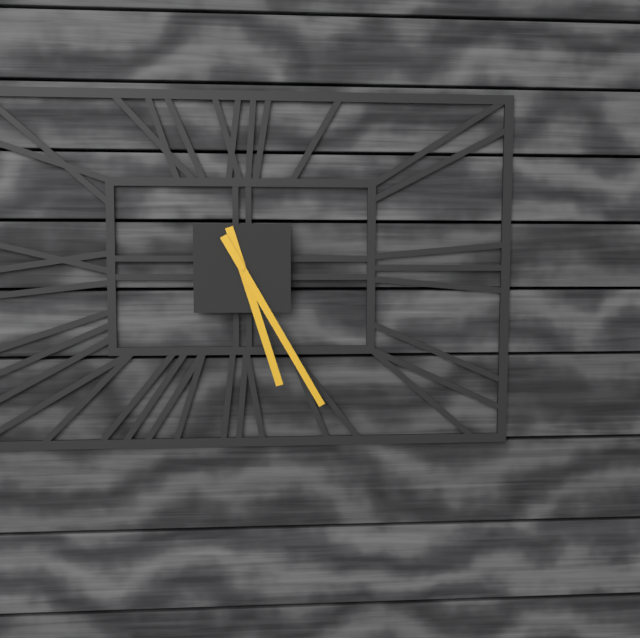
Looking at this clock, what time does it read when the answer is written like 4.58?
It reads 5.25
